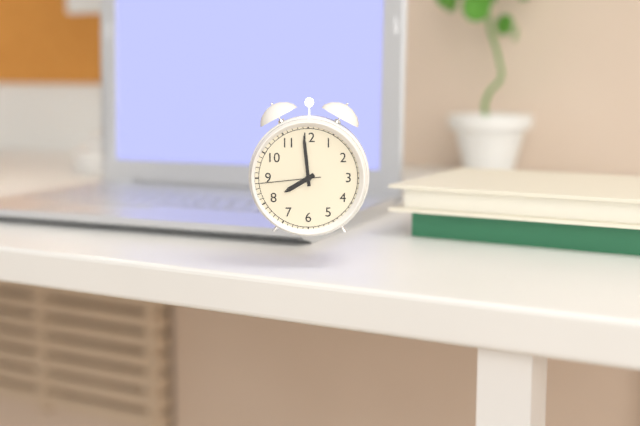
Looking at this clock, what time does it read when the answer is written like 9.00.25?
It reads 7.59.44
